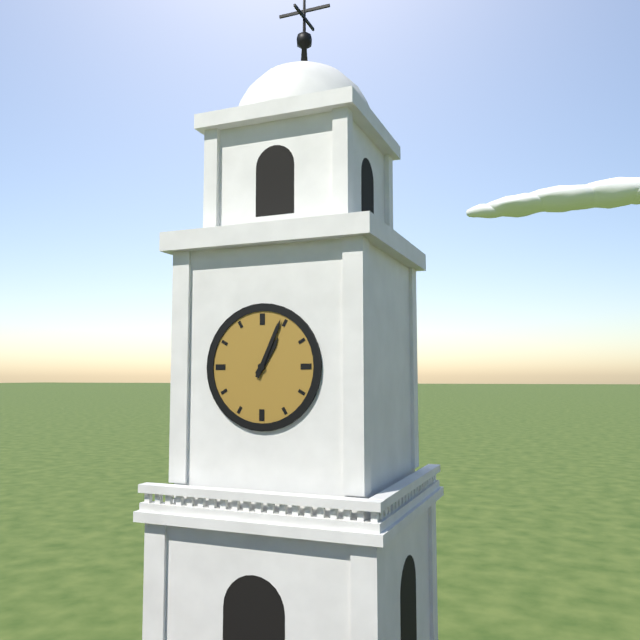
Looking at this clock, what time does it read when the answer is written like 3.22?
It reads 1.04
